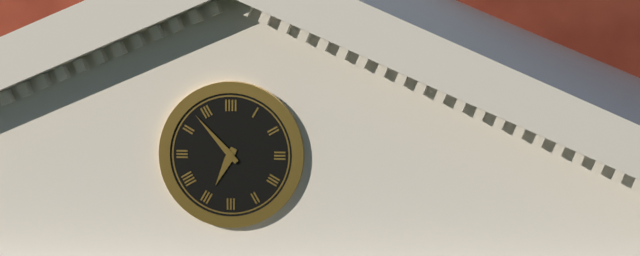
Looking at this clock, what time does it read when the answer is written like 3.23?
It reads 6.53
